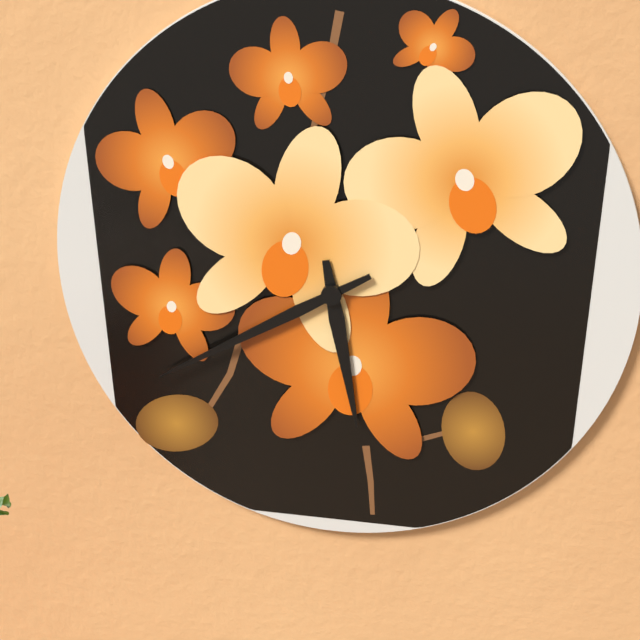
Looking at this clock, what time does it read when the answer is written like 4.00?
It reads 5.40
